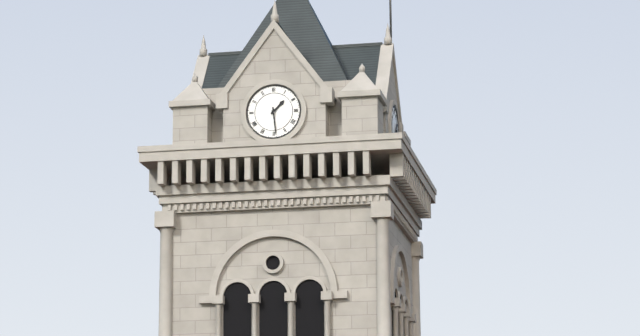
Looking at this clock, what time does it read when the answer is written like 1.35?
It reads 1.29
